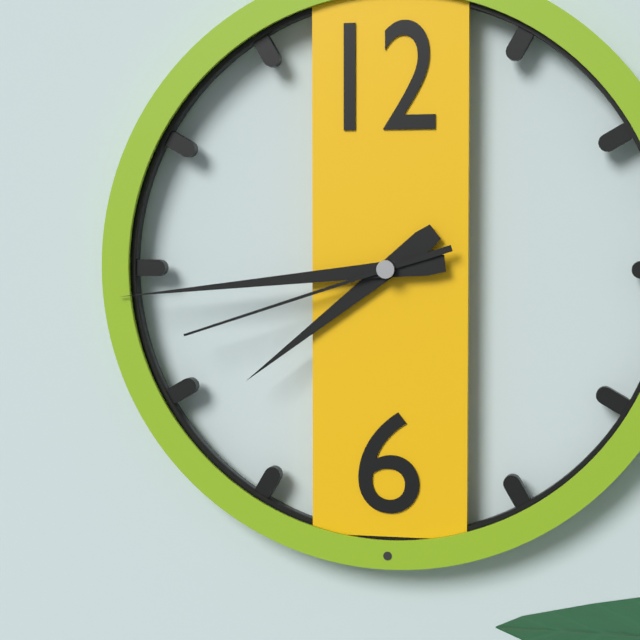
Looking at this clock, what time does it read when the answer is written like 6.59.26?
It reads 7.44.42
